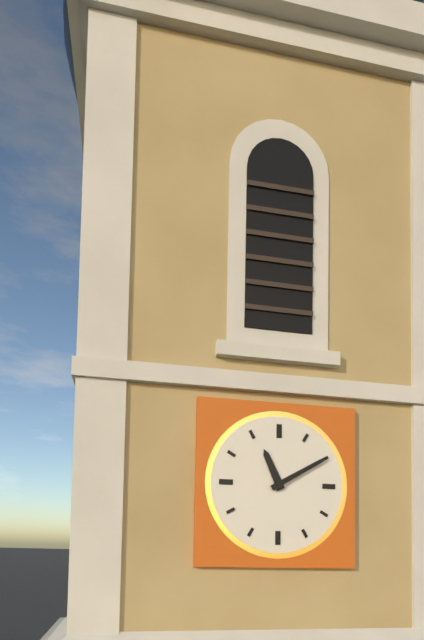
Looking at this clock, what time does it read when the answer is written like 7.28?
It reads 11.10
